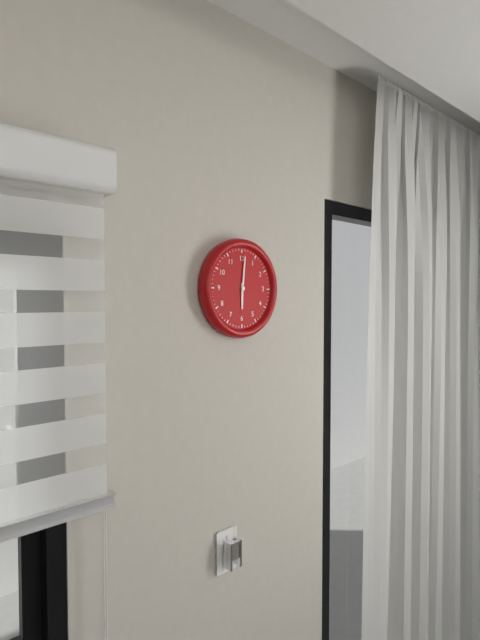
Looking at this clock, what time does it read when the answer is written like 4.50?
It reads 6.01
